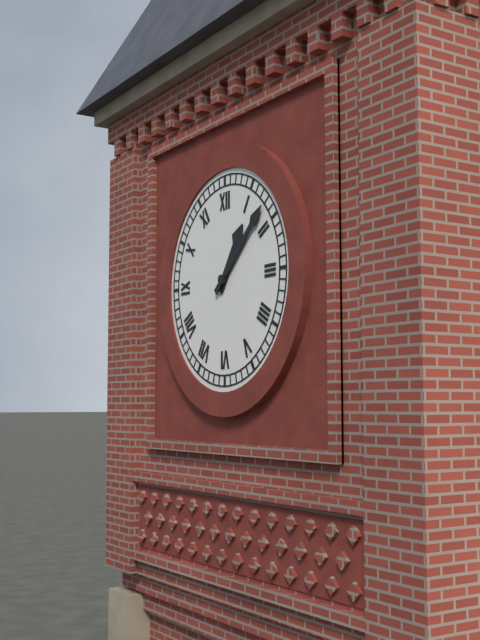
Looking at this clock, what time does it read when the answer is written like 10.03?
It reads 1.08
